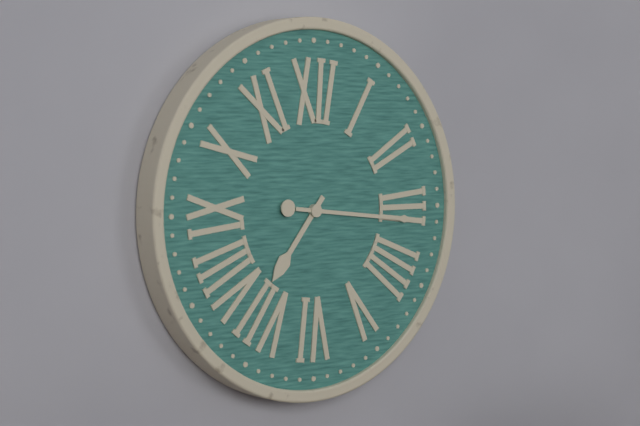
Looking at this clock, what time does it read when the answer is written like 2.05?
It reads 7.16
